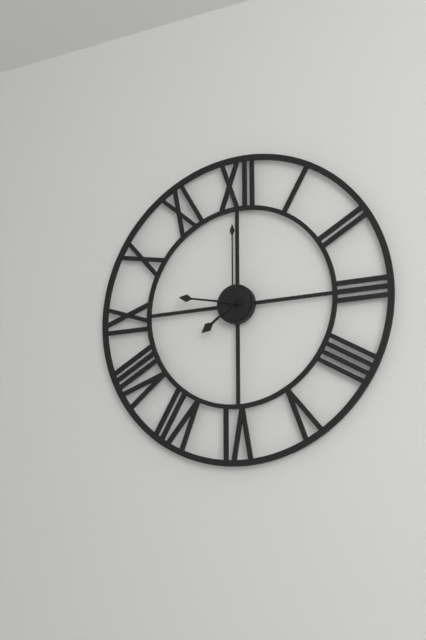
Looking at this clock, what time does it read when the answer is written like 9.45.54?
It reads 7.47.00
